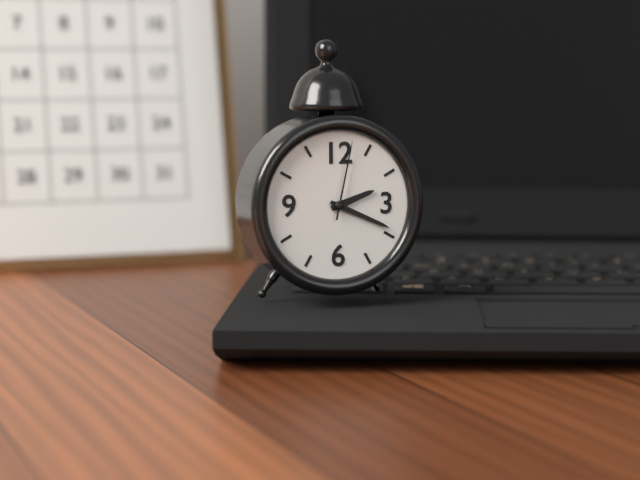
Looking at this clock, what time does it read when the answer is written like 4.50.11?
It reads 2.19.02
